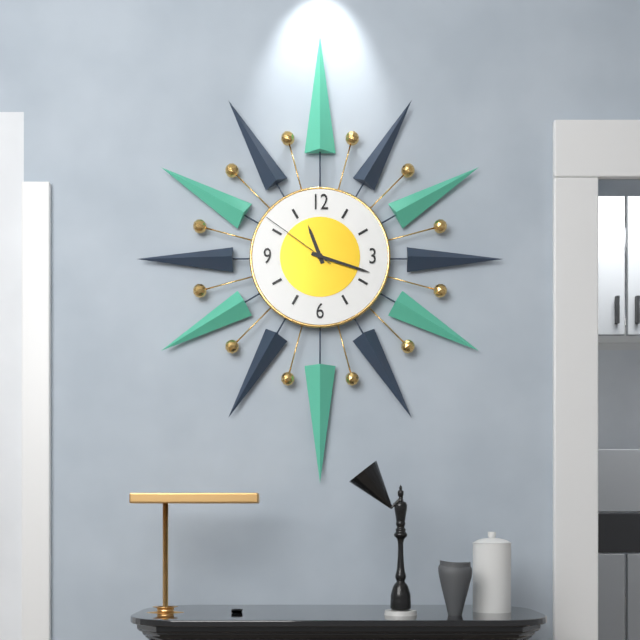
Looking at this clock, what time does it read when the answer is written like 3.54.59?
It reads 11.18.51
